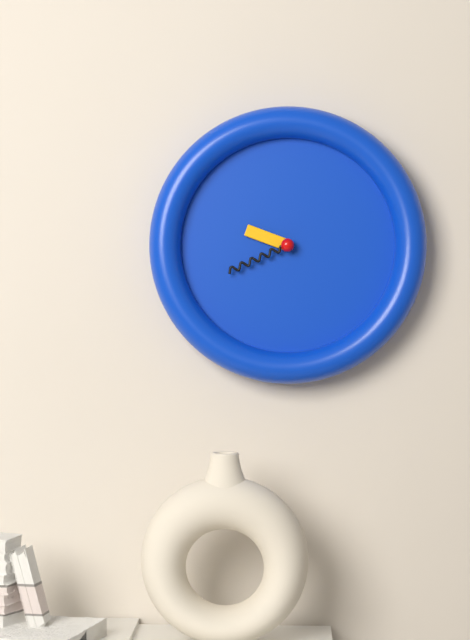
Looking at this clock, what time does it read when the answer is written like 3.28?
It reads 9.41
